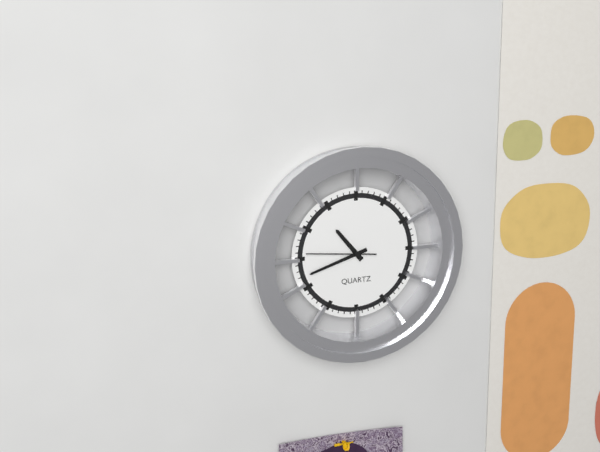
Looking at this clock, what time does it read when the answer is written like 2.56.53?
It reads 10.42.46
